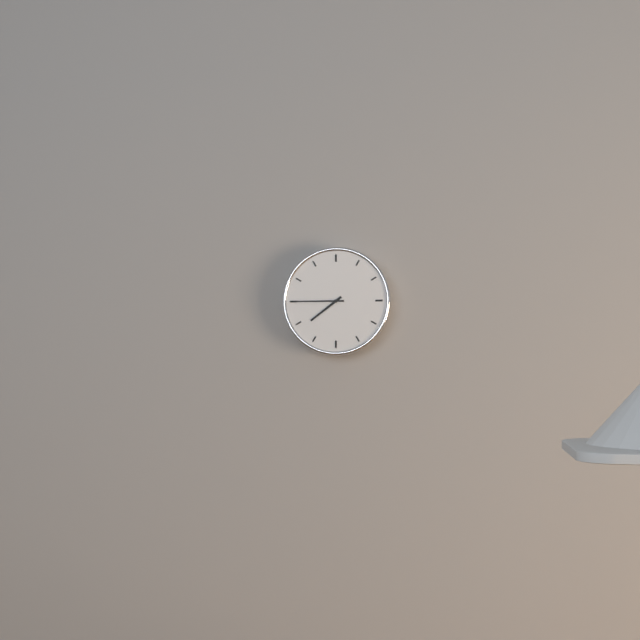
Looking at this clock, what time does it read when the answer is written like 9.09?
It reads 7.45
